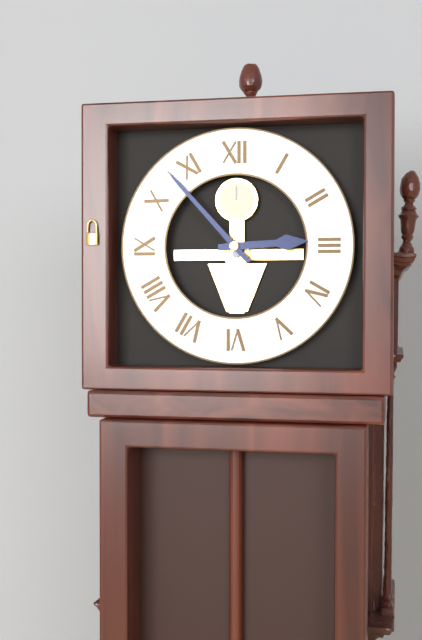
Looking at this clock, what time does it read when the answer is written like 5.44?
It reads 2.53
